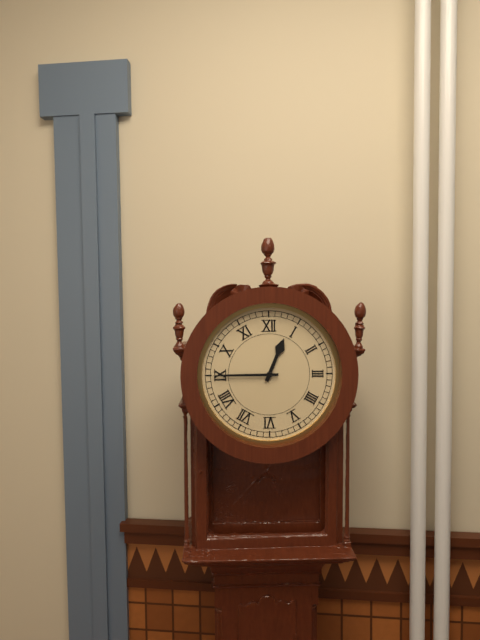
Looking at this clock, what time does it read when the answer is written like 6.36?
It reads 12.45
